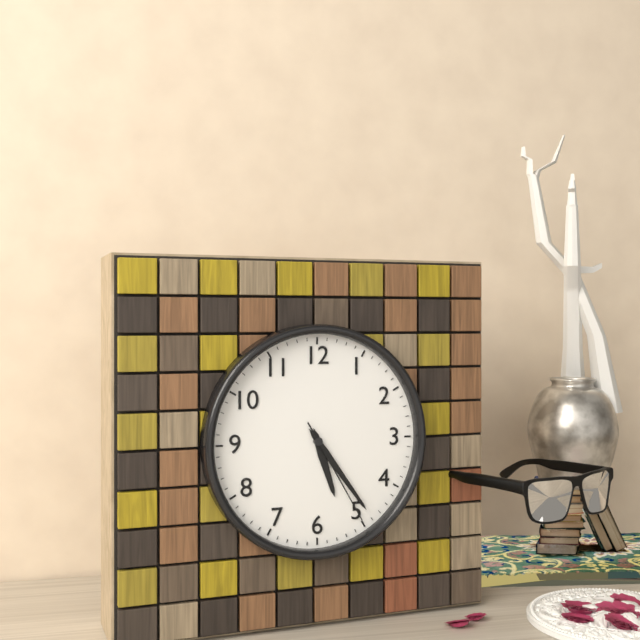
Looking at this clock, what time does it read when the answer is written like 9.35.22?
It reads 5.24.25
